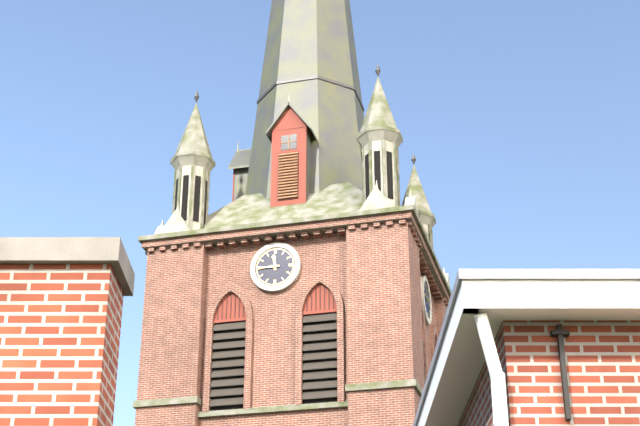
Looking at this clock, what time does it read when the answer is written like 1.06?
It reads 11.45
